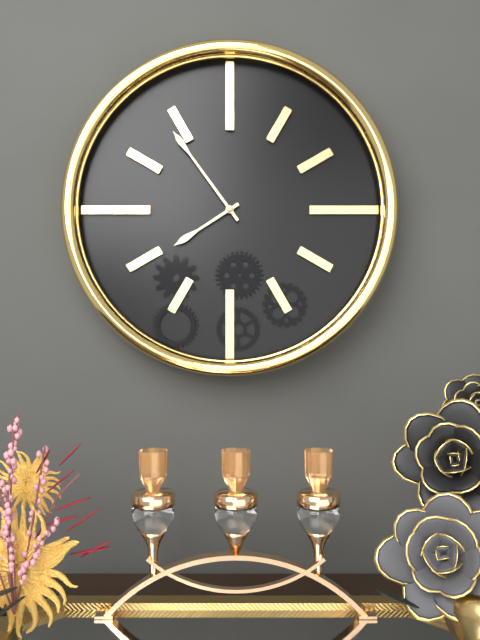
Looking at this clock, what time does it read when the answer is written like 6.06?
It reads 7.54
